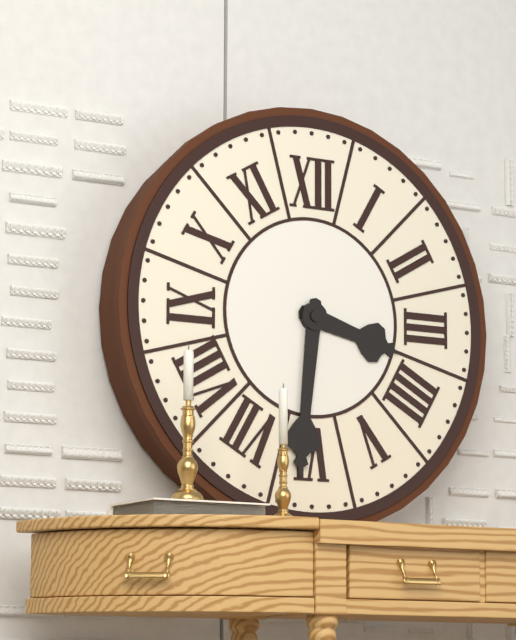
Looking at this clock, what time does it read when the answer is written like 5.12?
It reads 3.31
